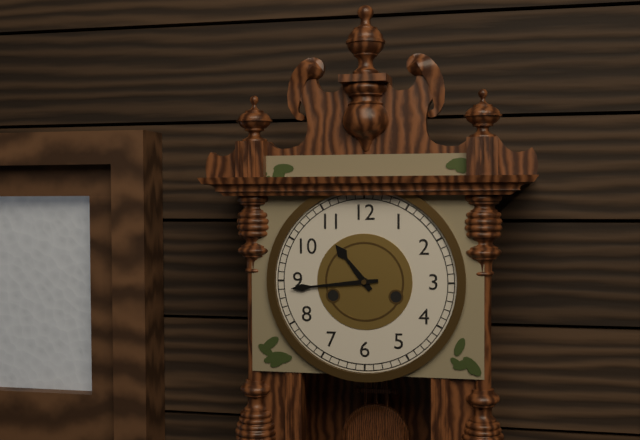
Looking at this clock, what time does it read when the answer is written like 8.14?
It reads 10.44
